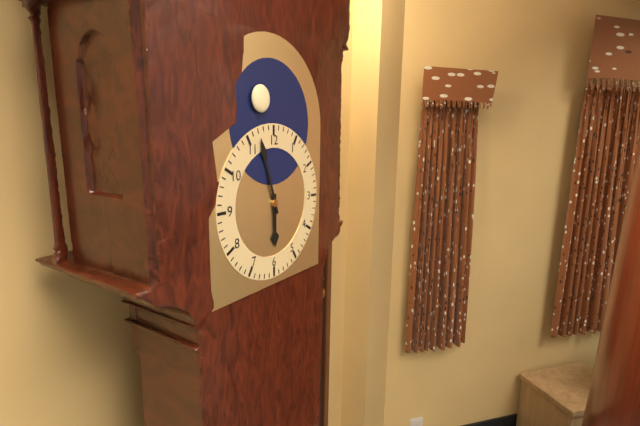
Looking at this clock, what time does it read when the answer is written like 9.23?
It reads 5.57
